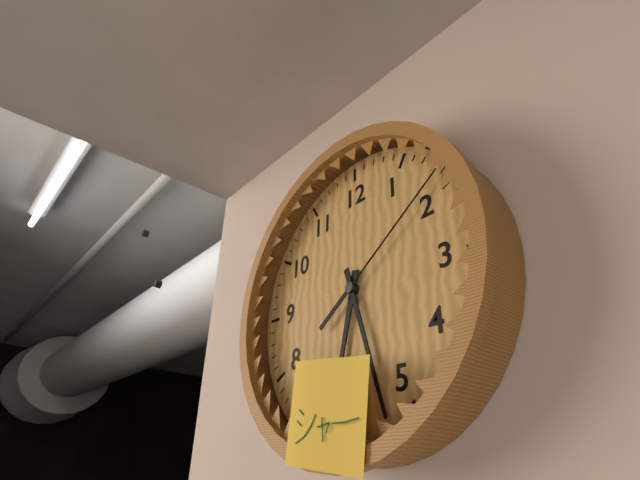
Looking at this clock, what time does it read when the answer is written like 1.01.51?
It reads 6.27.09
